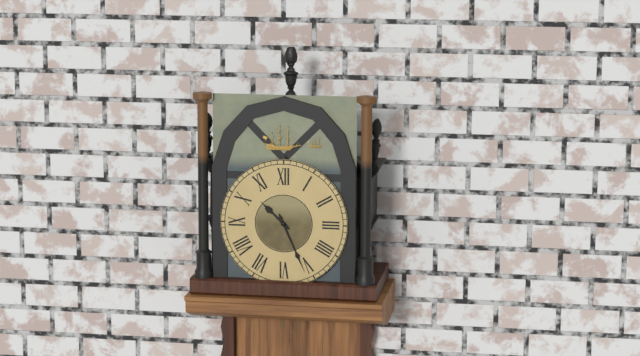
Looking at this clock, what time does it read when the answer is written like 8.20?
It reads 10.26
